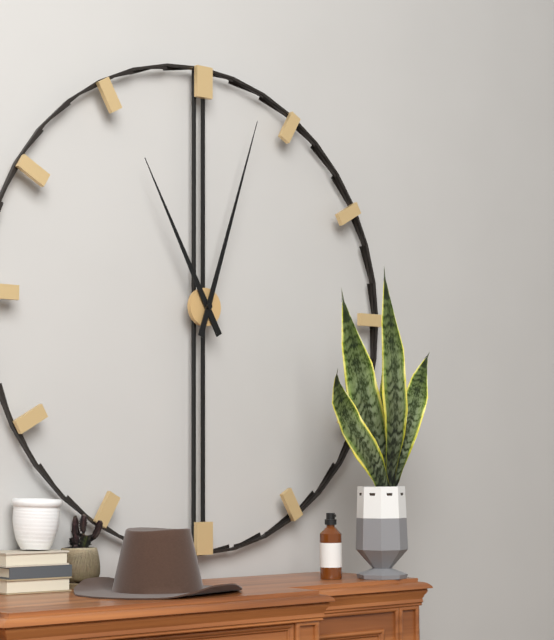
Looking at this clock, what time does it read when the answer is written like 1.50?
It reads 11.03
